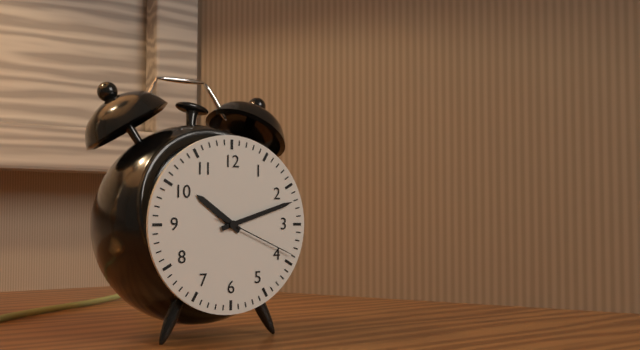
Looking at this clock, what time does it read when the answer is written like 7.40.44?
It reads 10.12.19
